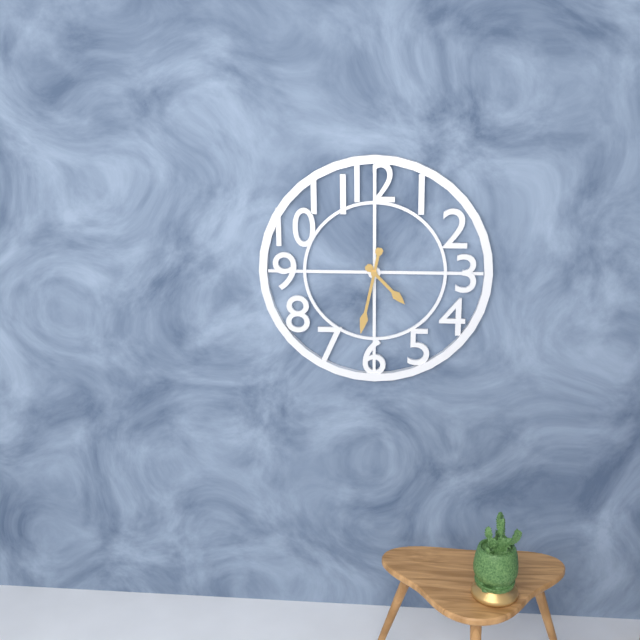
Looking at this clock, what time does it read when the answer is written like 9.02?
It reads 4.32
